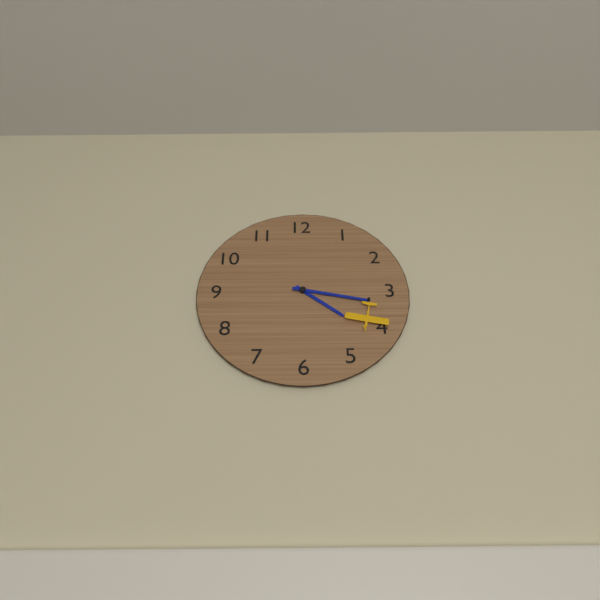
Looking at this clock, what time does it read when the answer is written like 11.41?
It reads 4.17
